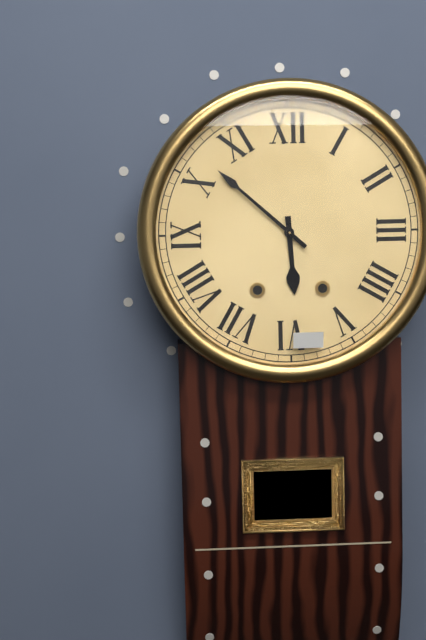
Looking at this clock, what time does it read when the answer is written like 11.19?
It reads 5.52
